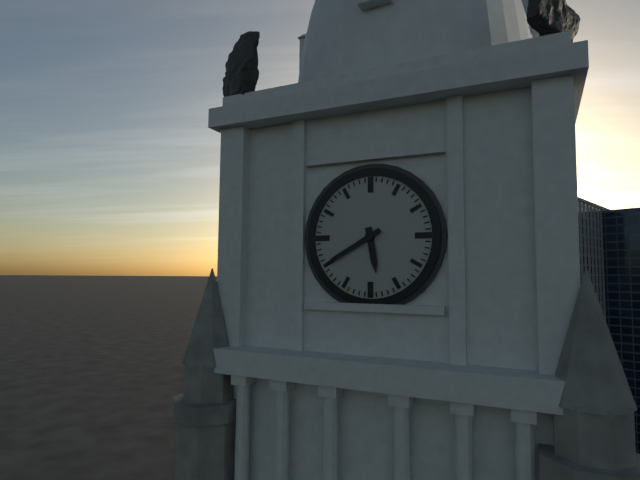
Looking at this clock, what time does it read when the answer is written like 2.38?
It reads 5.40
